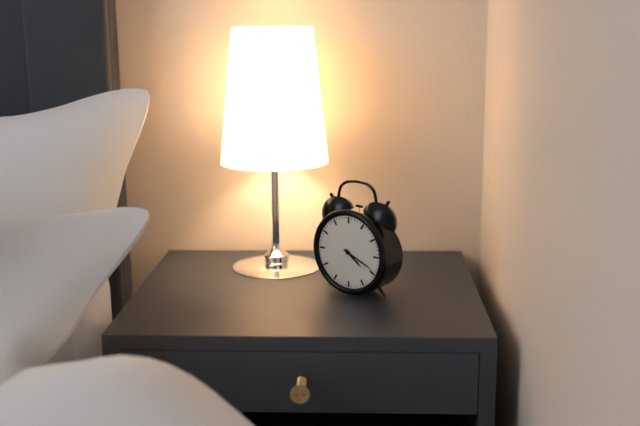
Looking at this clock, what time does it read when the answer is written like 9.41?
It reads 4.19
